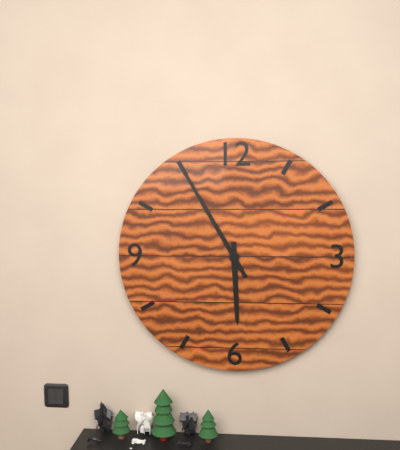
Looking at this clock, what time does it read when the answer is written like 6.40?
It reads 5.55
